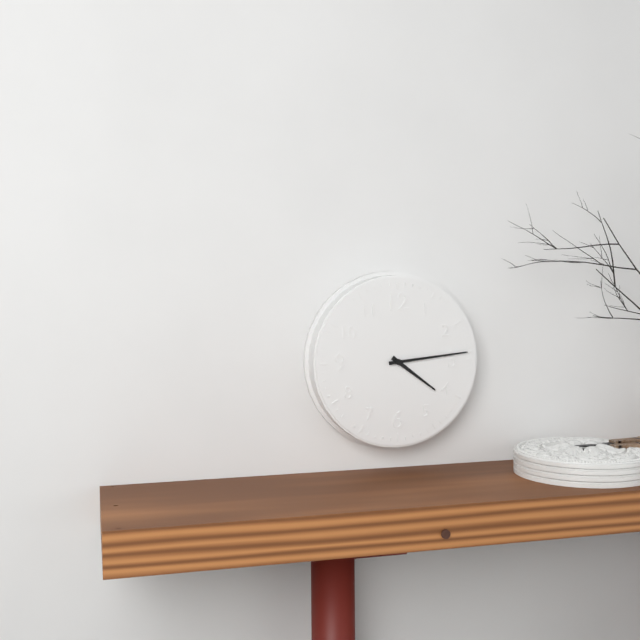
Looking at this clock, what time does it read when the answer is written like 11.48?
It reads 4.14
